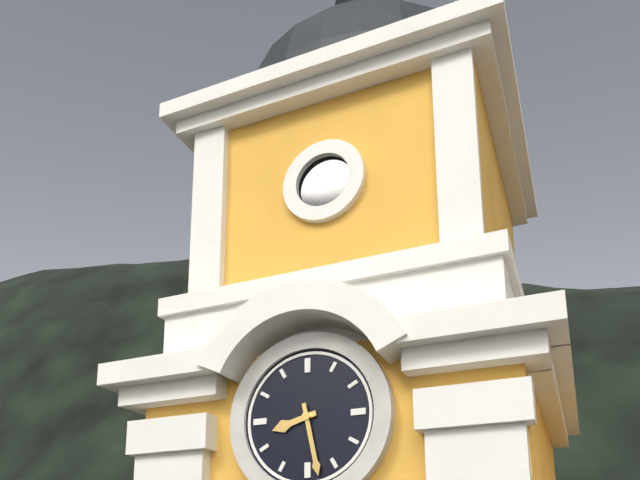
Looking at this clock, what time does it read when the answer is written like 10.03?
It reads 8.28
